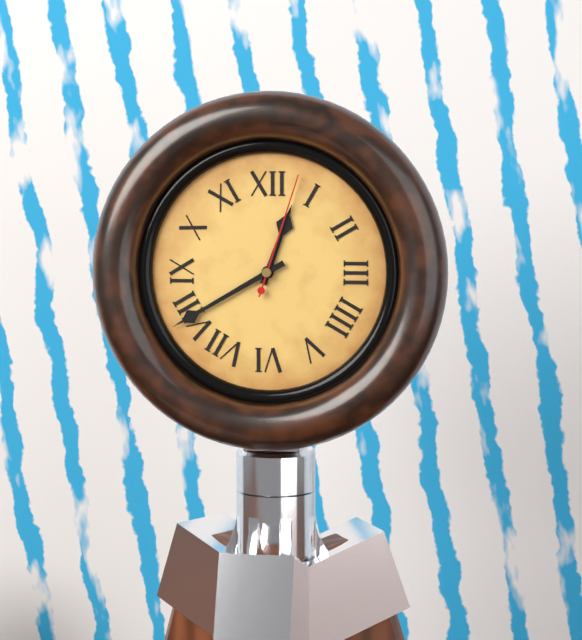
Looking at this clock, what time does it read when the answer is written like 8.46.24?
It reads 12.40.03
